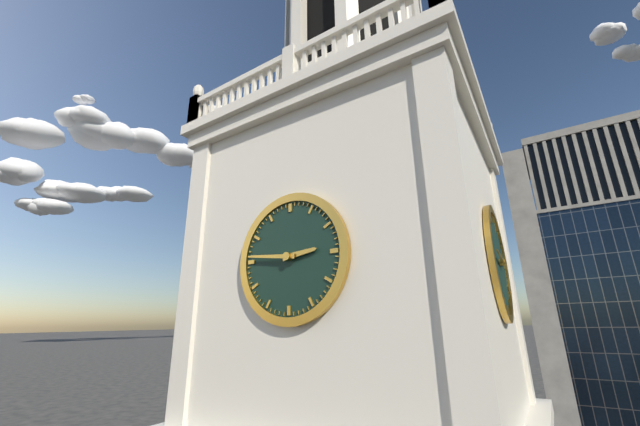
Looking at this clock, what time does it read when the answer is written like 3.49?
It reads 2.46
